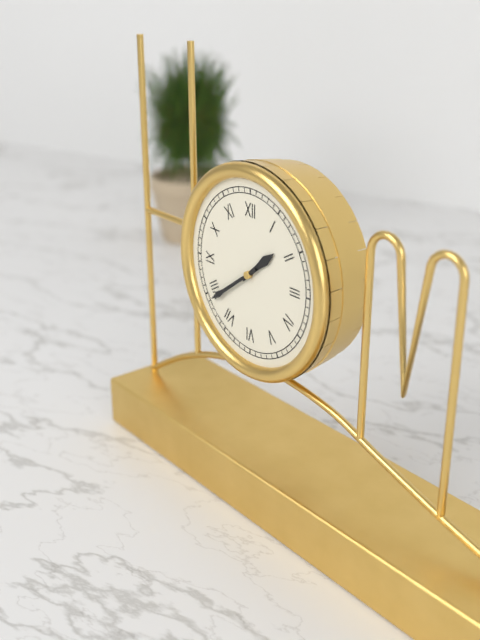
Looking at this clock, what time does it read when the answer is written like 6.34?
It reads 1.39
